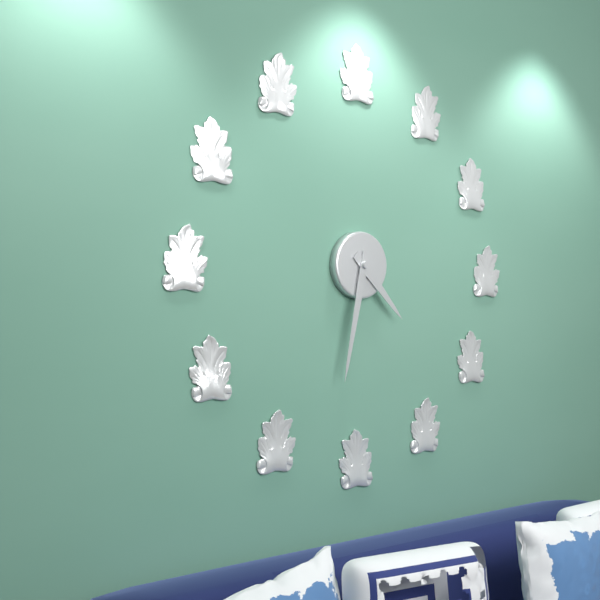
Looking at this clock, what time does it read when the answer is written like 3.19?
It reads 4.32
